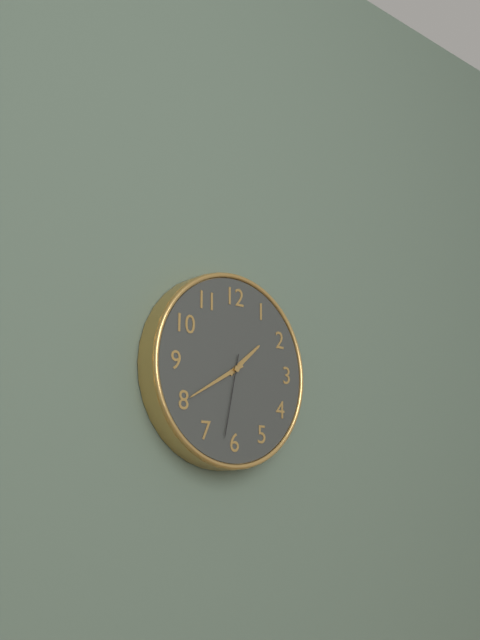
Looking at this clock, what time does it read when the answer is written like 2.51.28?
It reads 1.40.32
